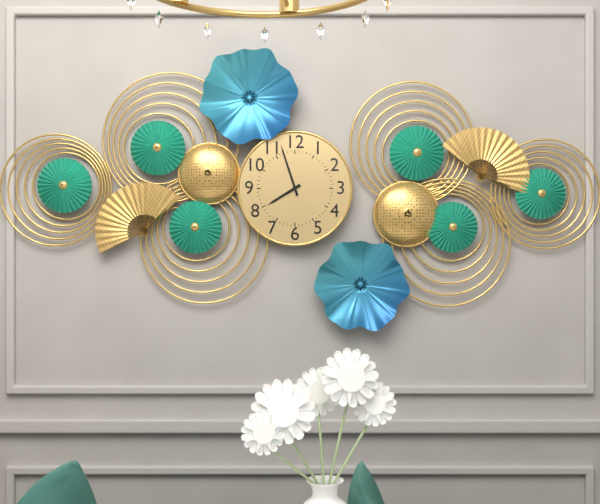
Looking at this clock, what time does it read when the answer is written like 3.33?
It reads 7.57
